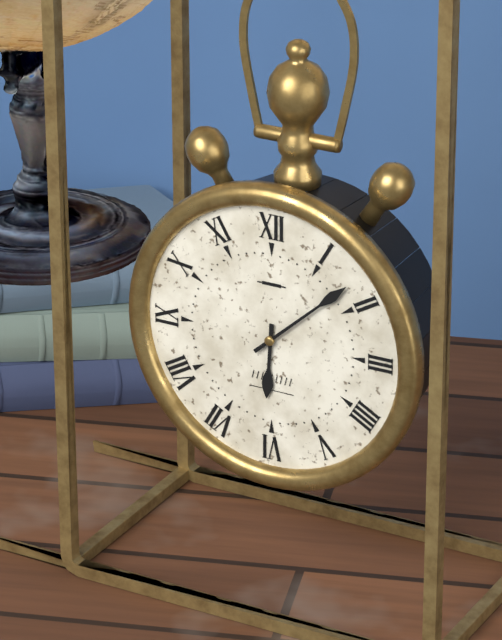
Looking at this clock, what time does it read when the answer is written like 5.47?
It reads 6.08
